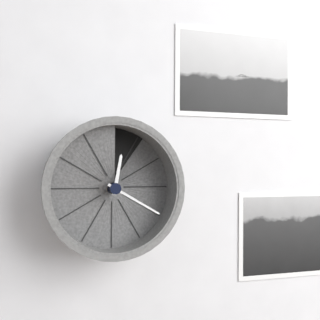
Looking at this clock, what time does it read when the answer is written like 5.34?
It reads 12.20
